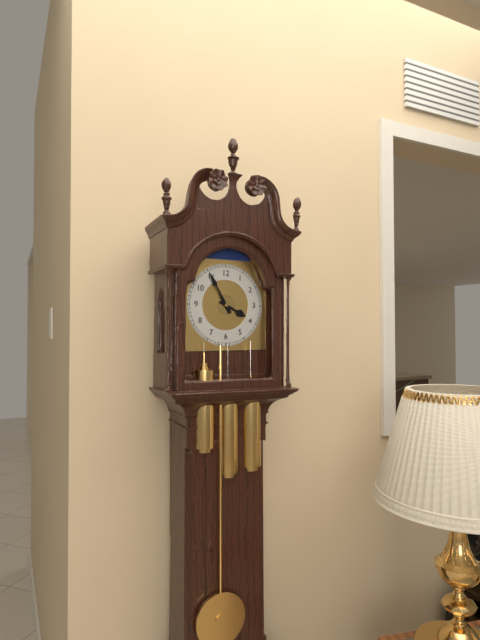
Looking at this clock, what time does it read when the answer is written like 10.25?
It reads 3.55
